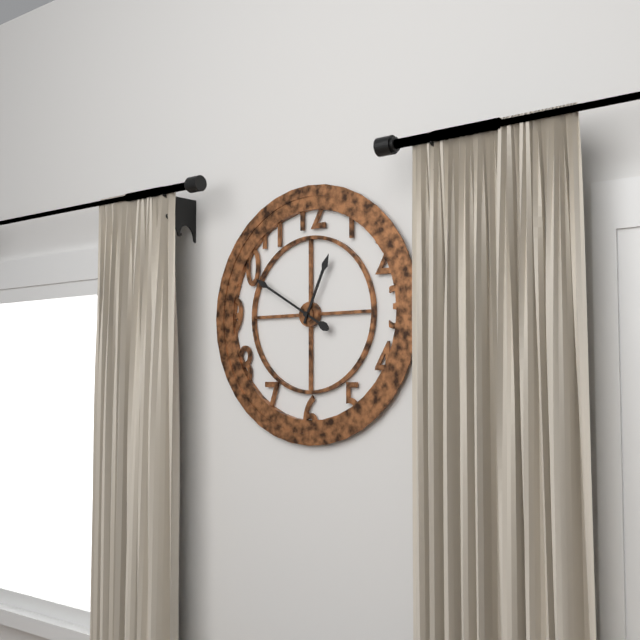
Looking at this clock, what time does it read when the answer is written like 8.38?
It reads 12.50
